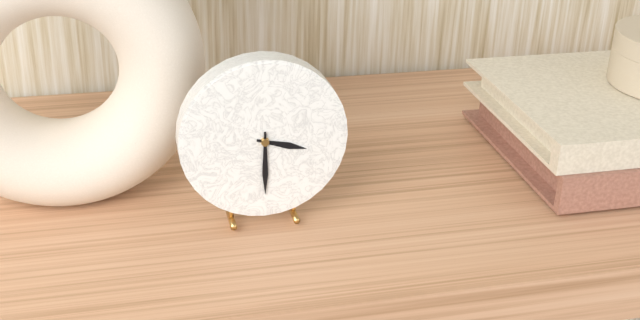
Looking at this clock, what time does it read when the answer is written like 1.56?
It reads 3.30
